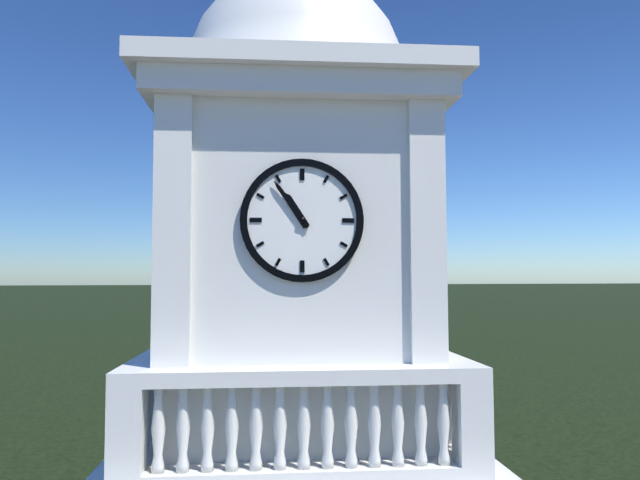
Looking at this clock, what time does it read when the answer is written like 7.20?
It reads 10.54
